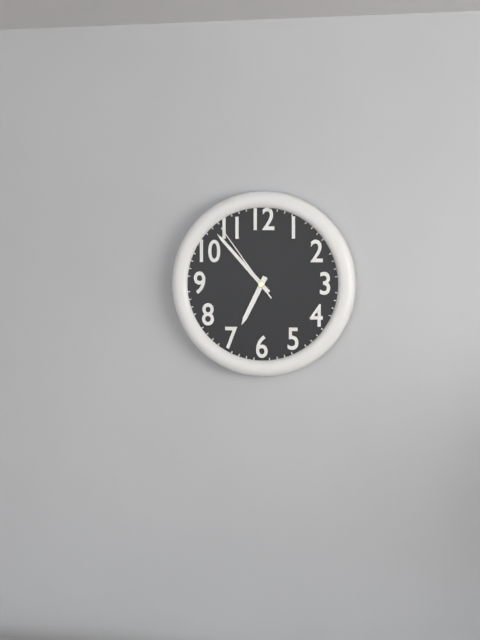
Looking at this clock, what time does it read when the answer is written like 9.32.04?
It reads 6.53.54
